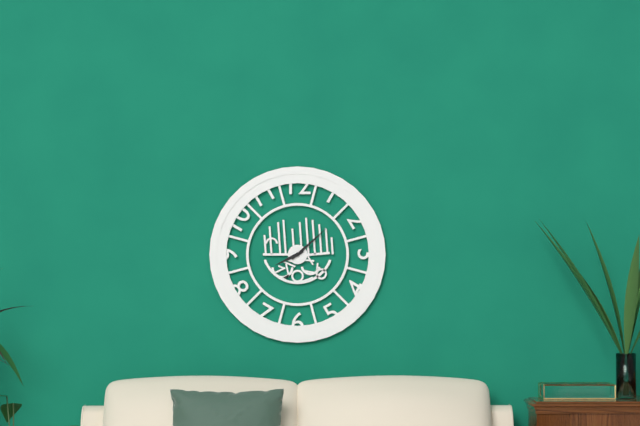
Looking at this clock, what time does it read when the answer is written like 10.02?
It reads 8.08
